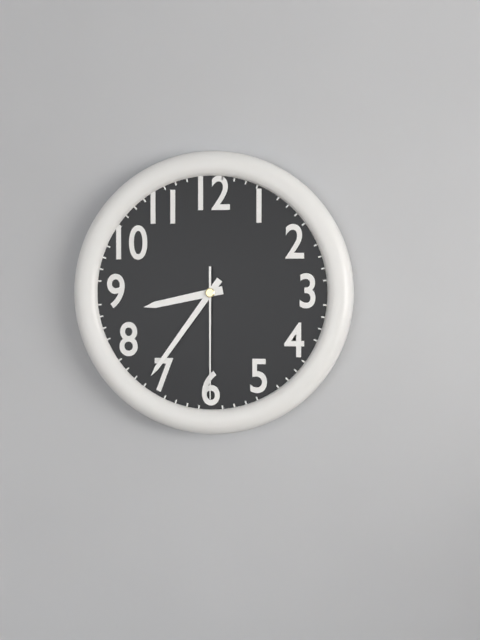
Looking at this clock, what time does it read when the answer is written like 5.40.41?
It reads 8.36.30
